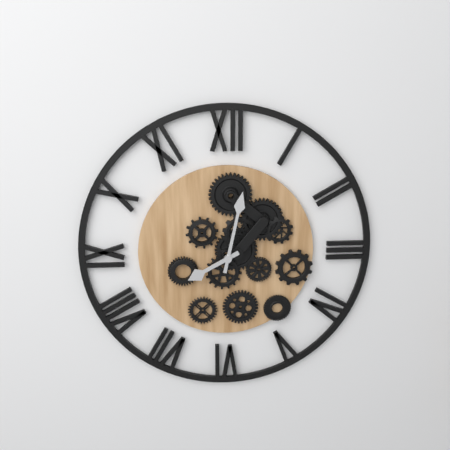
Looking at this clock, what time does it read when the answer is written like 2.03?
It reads 8.02
